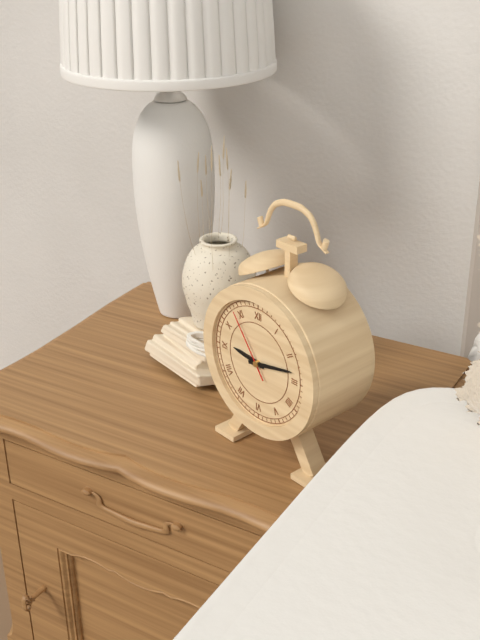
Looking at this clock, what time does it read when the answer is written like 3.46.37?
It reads 9.13.54
